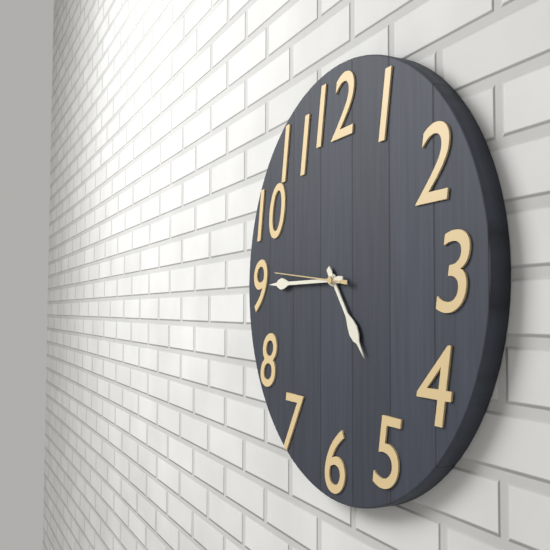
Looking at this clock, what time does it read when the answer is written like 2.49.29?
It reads 4.45.46
